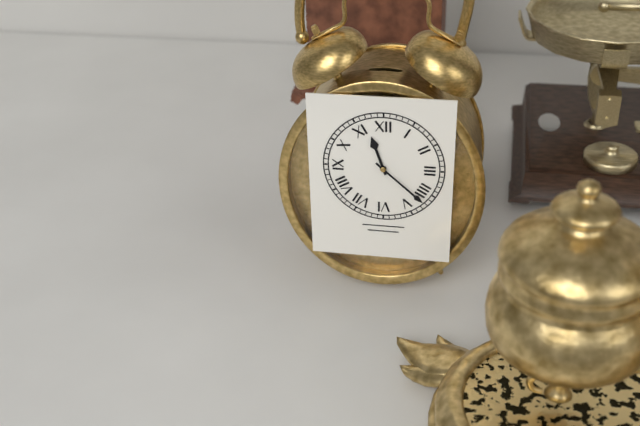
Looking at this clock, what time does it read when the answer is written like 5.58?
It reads 11.22
